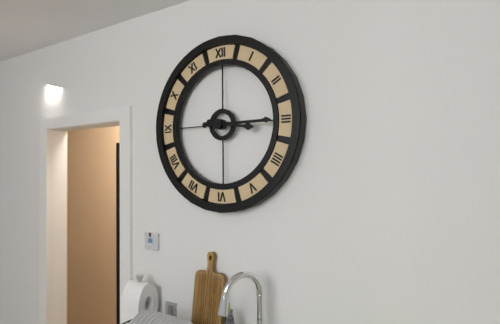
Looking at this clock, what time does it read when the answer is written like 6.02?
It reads 3.15
